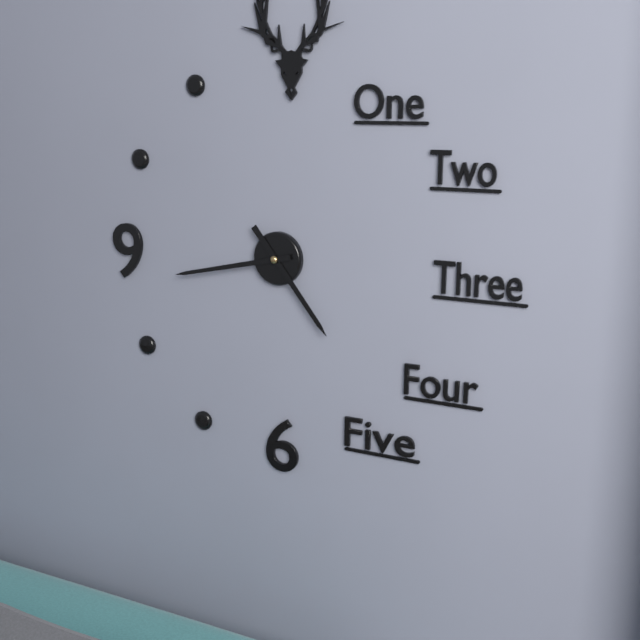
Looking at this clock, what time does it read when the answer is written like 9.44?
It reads 4.43
